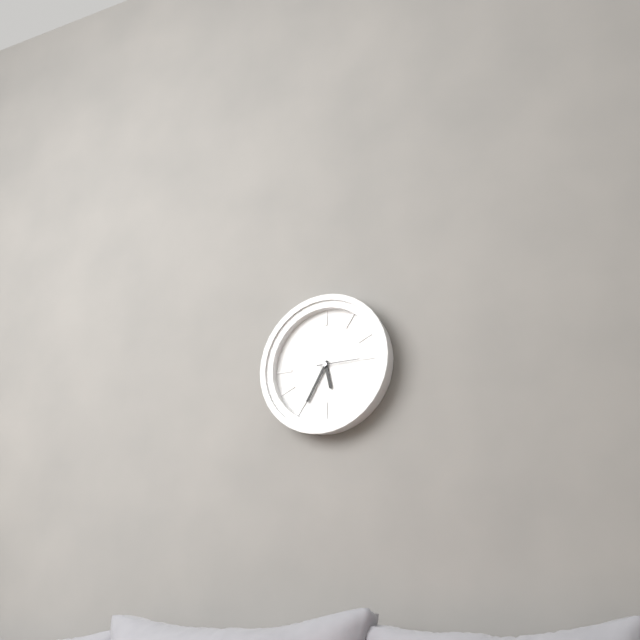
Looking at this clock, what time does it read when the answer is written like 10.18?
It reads 5.35
